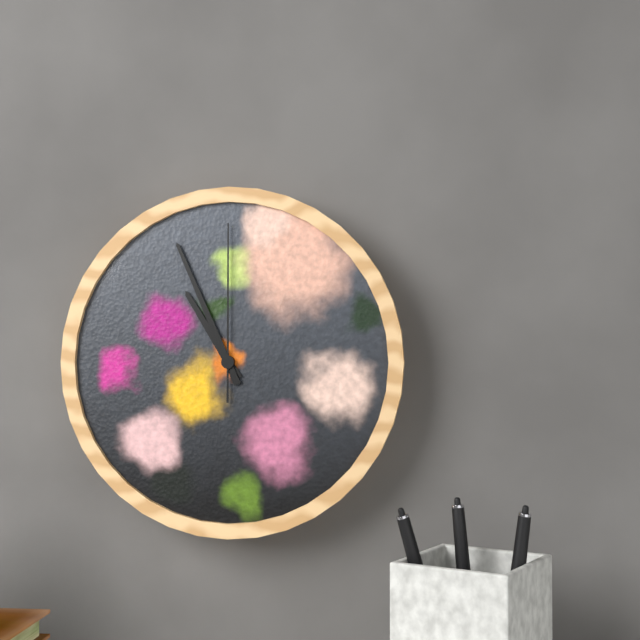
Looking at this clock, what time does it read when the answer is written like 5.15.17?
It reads 10.56.00
